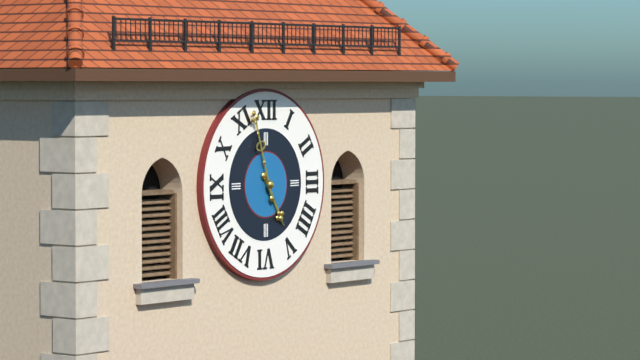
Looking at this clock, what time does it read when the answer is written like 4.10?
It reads 4.57
